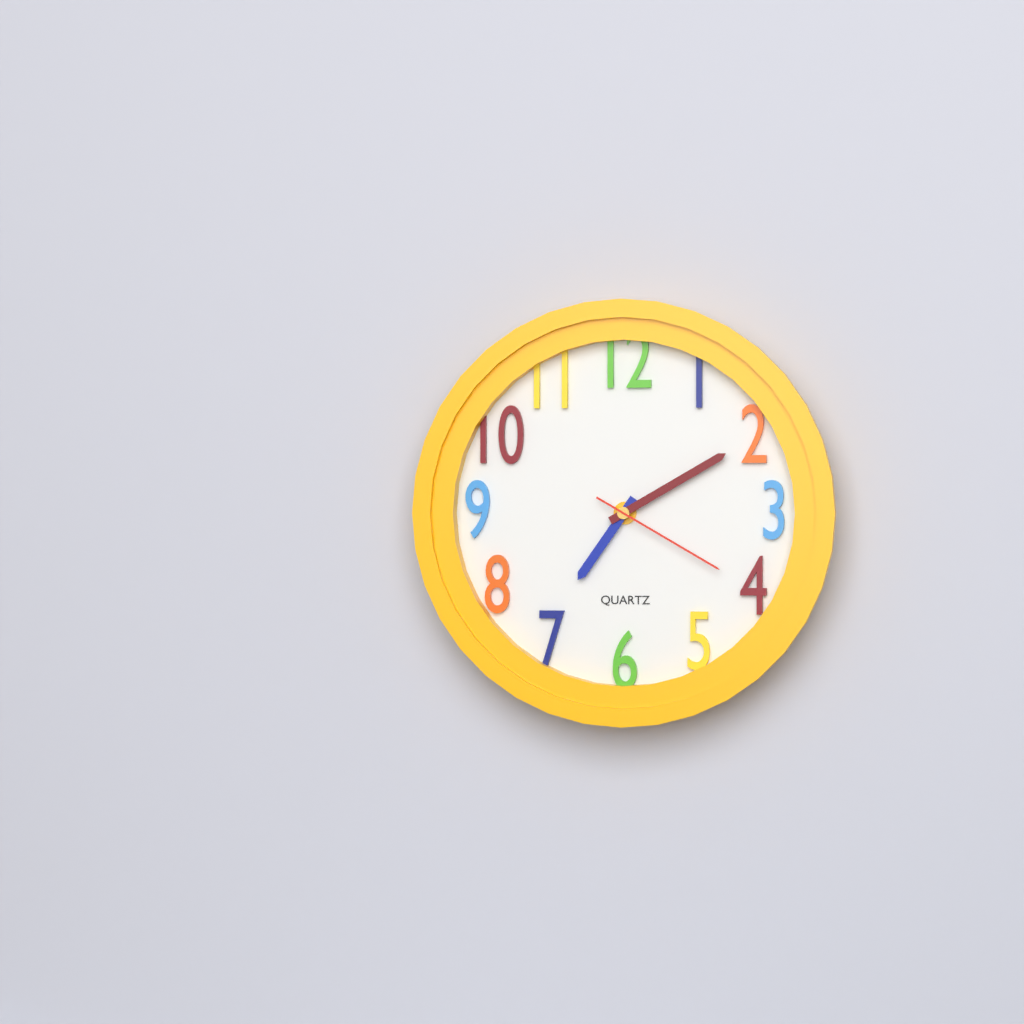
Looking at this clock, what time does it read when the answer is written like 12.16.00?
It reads 7.10.20
